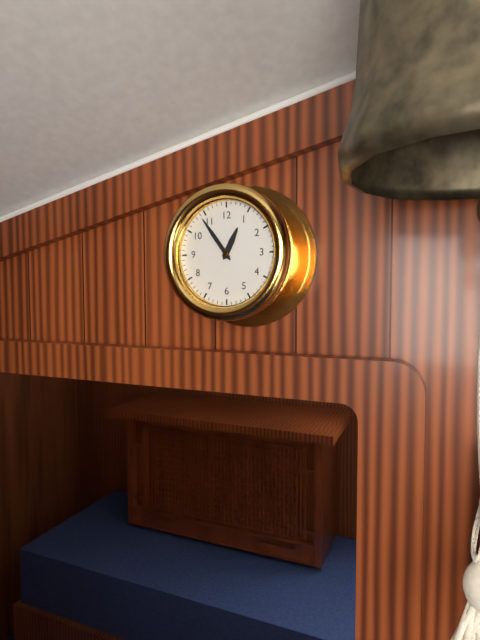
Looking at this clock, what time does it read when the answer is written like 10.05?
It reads 12.54
